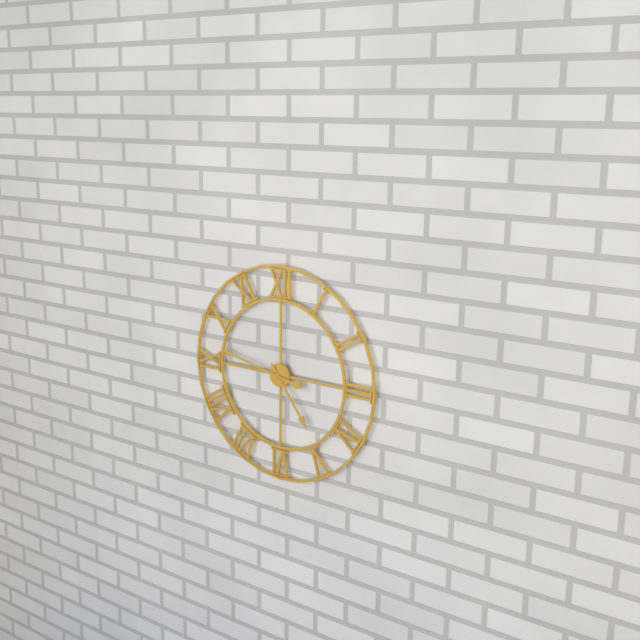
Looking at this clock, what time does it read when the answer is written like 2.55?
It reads 4.47
